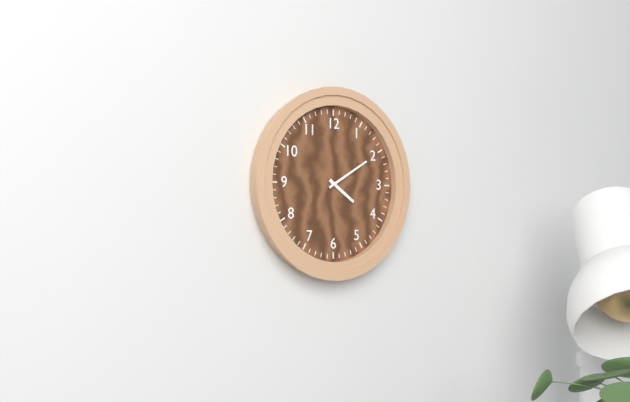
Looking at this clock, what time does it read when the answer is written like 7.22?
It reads 4.10
